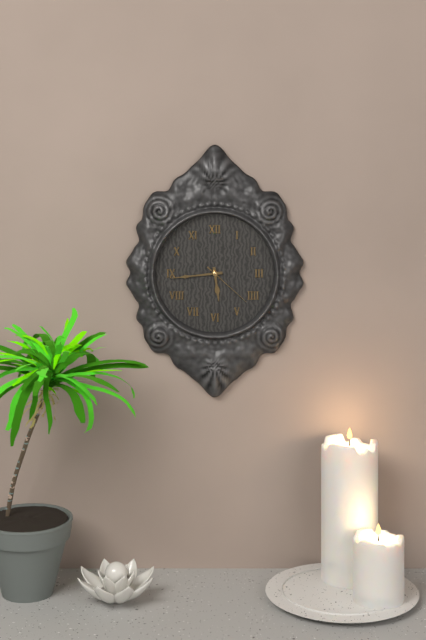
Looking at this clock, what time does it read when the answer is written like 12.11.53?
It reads 5.44.22
